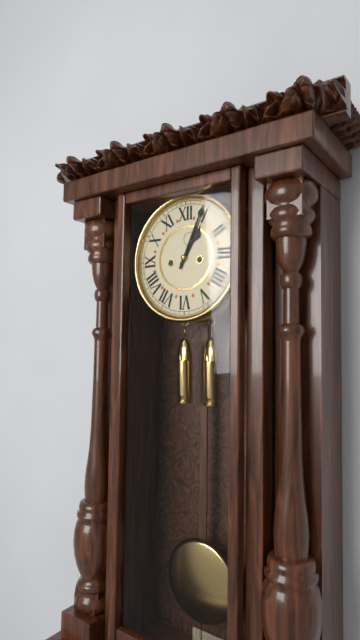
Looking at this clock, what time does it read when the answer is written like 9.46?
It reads 1.04
